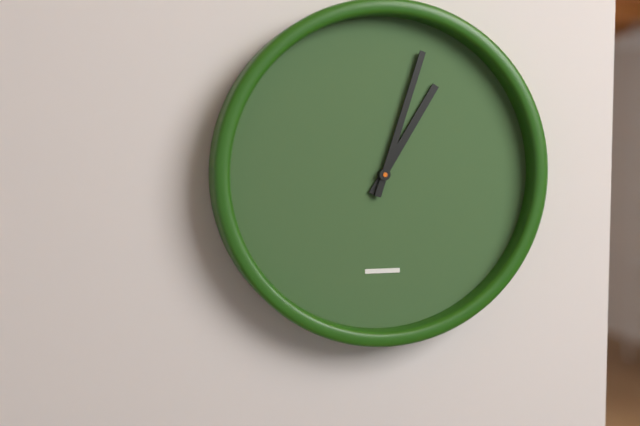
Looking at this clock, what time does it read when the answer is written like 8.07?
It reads 1.03
